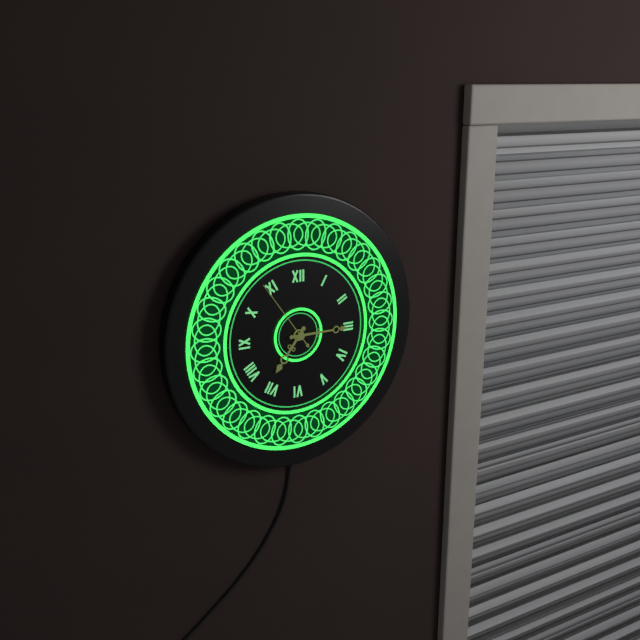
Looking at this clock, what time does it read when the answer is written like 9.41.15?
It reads 7.15.54
